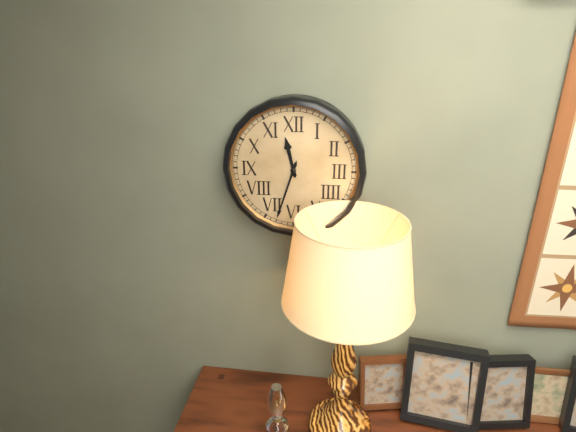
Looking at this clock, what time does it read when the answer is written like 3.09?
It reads 11.33
